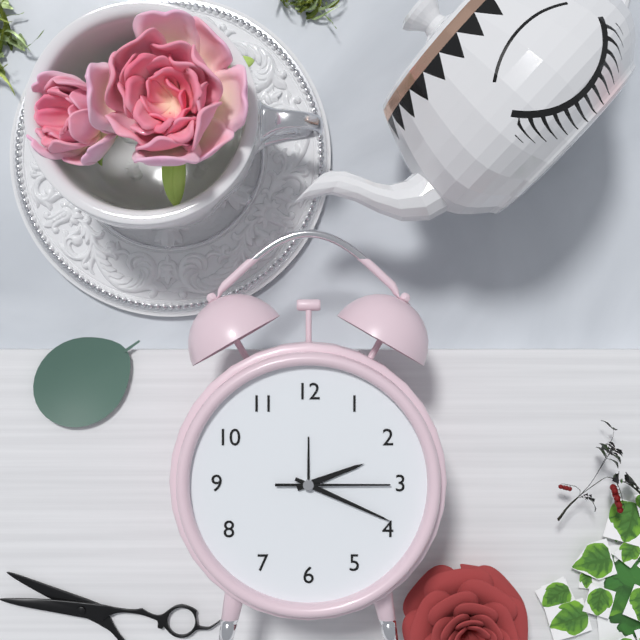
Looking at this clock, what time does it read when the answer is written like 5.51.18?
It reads 2.19.15
